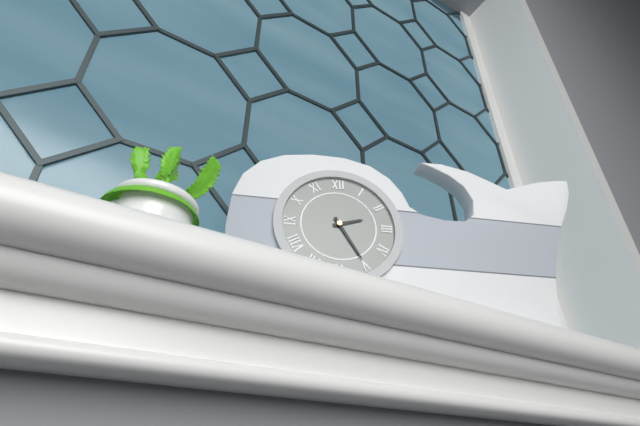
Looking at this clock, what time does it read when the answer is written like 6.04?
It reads 2.25
